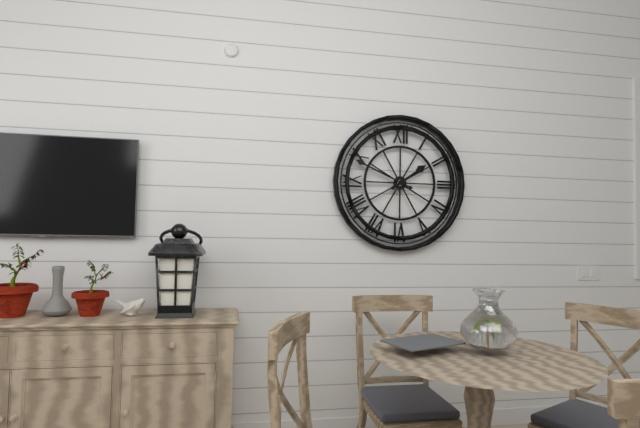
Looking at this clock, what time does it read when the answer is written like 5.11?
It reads 1.49
